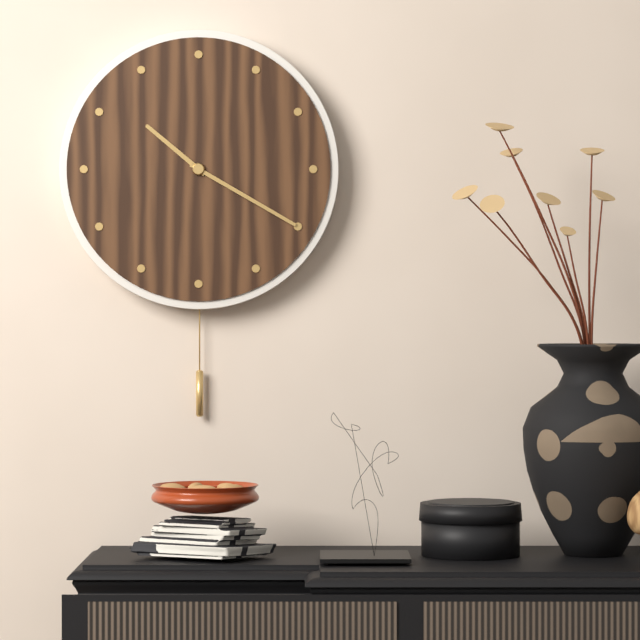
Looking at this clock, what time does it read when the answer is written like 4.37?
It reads 10.20
